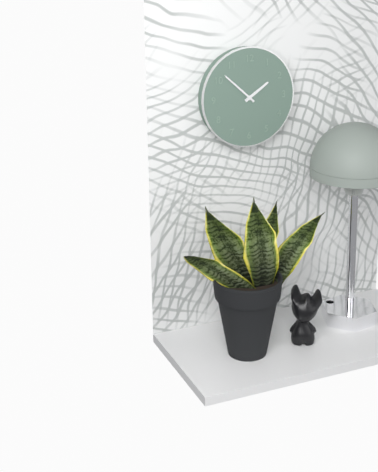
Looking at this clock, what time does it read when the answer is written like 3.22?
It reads 1.52
